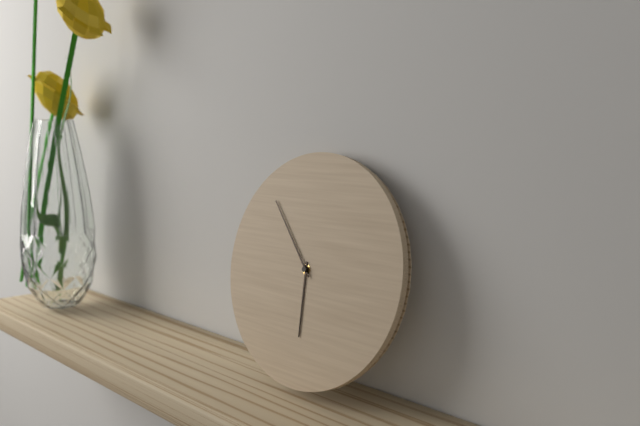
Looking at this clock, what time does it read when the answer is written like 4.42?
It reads 5.53
